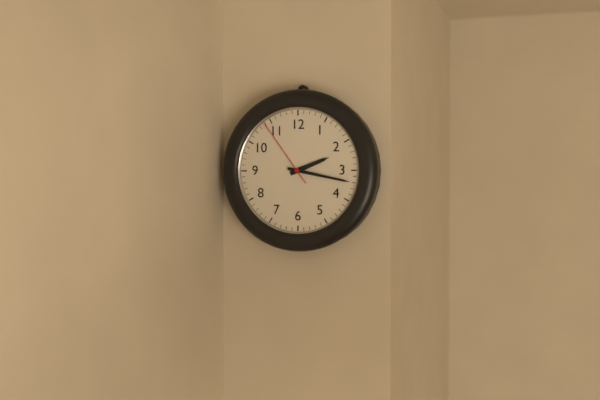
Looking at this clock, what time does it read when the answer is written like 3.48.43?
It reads 2.17.54
